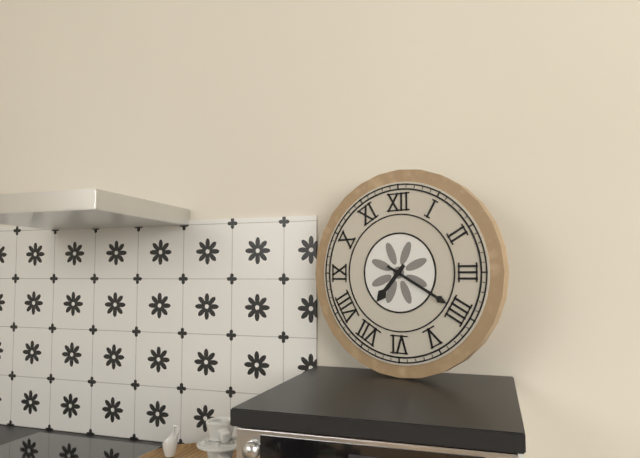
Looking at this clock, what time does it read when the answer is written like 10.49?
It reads 7.20
